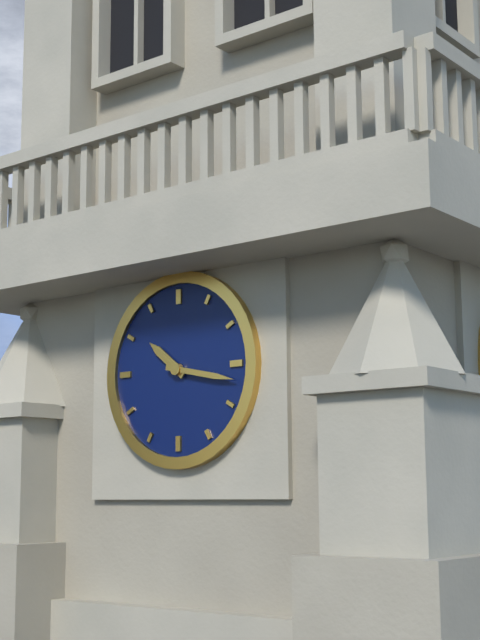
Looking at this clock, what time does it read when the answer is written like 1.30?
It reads 10.17
